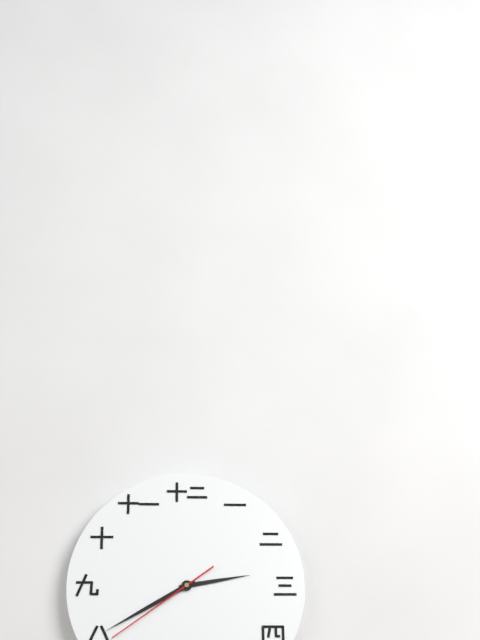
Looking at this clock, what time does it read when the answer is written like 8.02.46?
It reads 2.40.39
